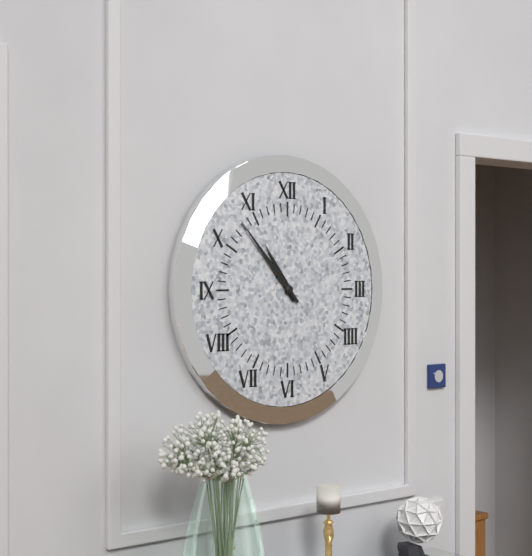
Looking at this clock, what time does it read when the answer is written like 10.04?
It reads 10.53
